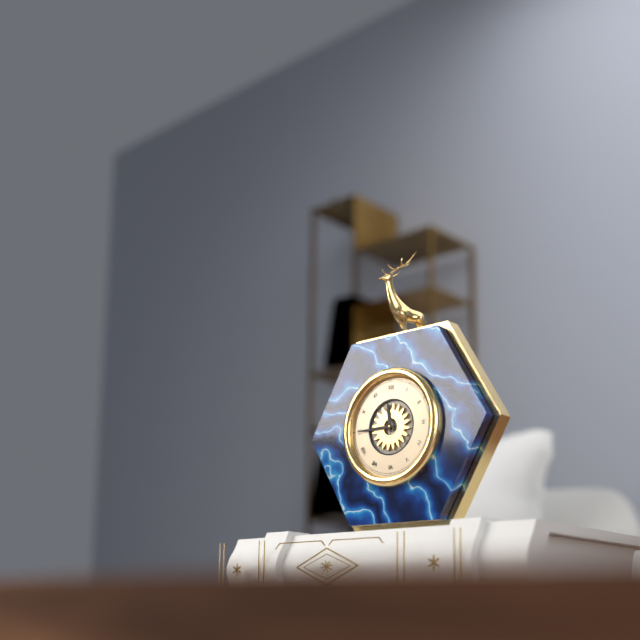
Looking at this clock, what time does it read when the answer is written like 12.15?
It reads 11.45
